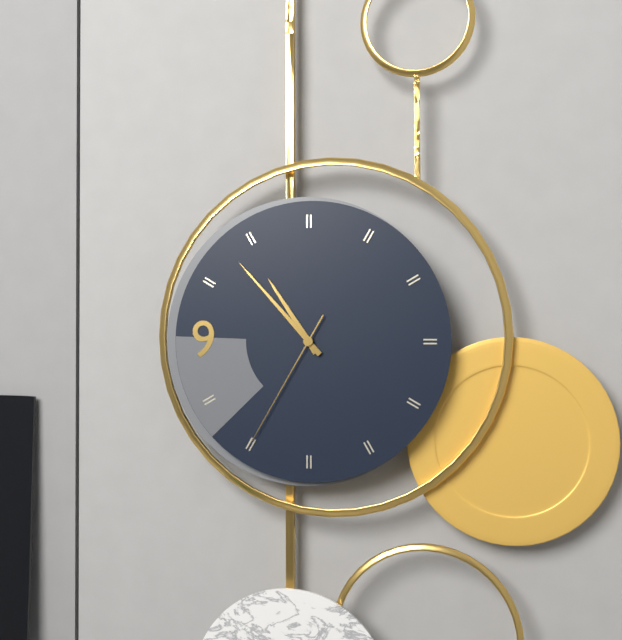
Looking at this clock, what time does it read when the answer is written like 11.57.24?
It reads 10.53.35
